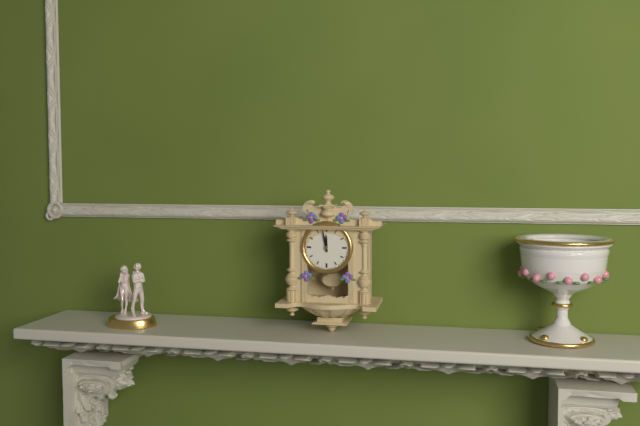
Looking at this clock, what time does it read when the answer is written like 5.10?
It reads 11.58
